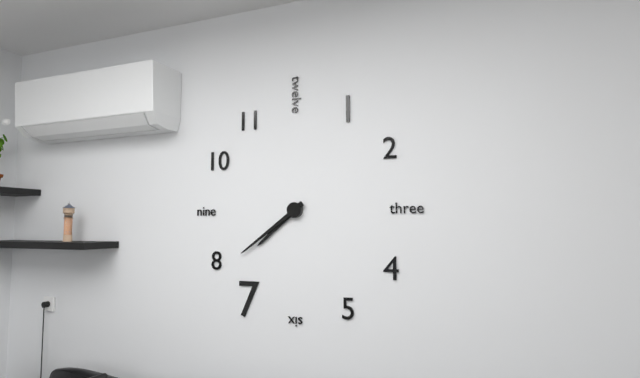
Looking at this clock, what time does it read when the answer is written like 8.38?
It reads 7.39
